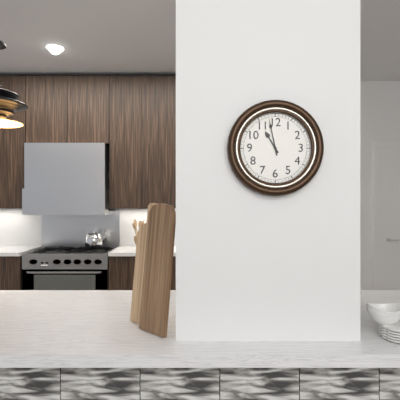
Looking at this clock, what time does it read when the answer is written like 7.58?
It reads 10.58
